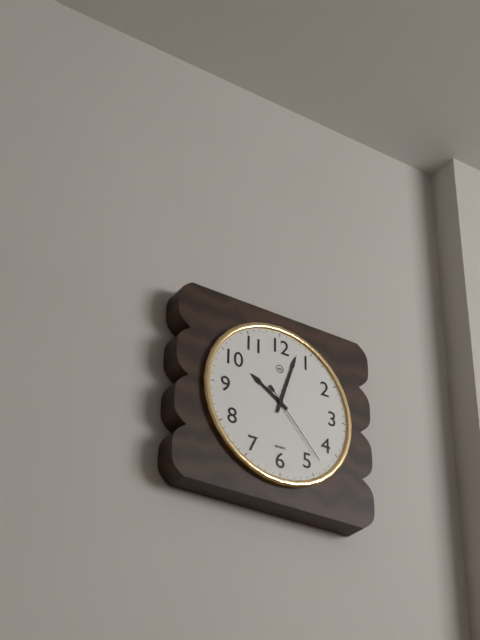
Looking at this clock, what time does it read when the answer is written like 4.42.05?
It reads 10.03.23
